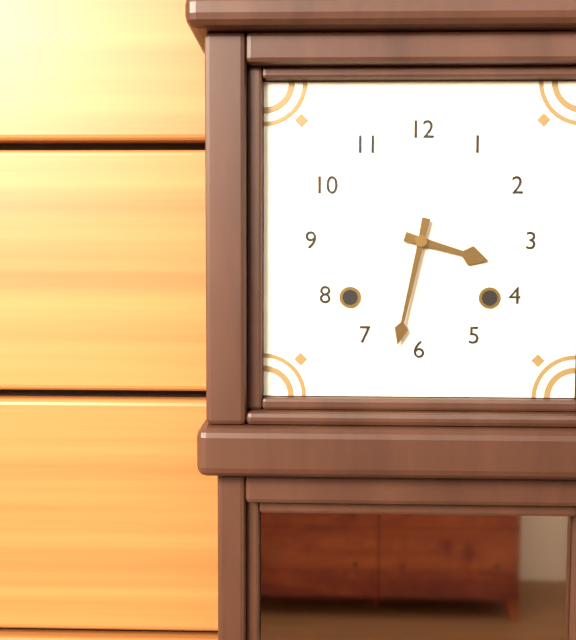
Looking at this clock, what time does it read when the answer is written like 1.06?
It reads 3.32
